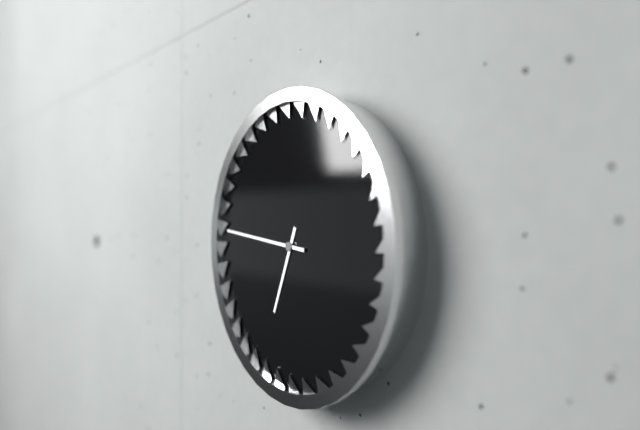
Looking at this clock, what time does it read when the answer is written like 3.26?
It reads 6.46
